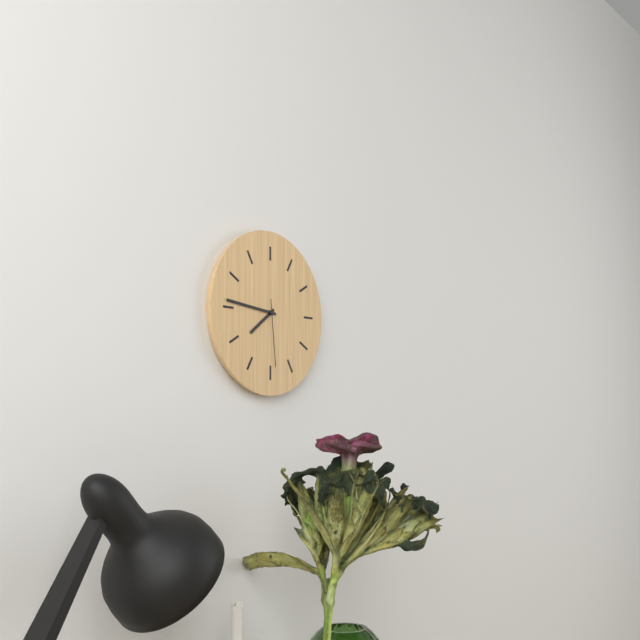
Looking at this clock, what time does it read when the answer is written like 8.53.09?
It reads 7.46.29
